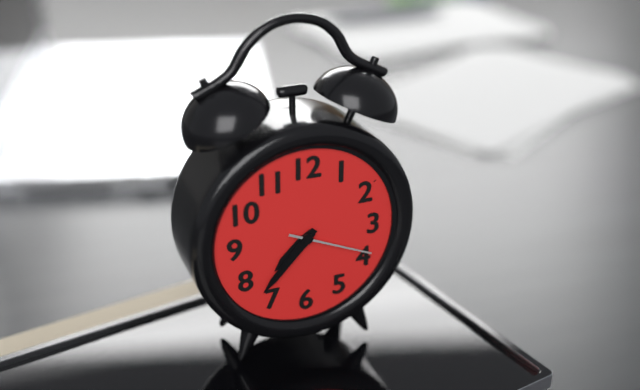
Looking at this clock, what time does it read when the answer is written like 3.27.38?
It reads 7.37.19
